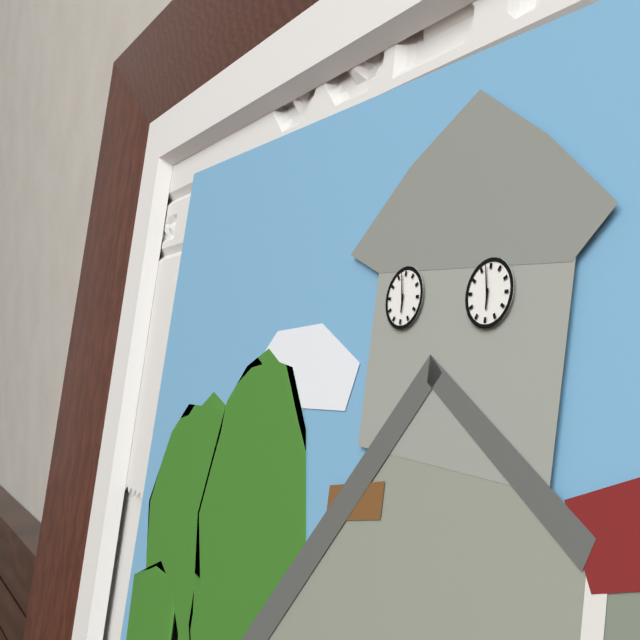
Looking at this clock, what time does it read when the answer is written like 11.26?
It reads 5.58
